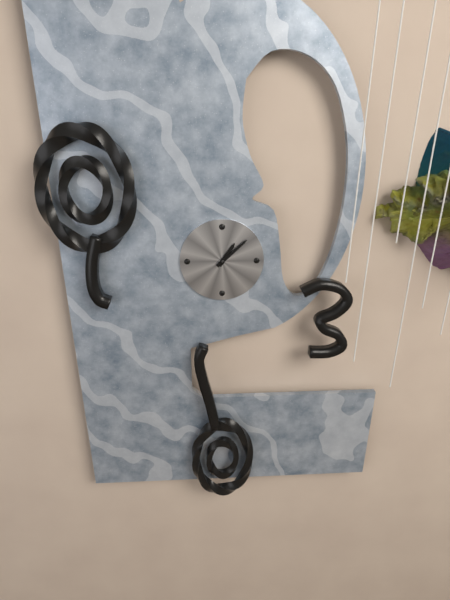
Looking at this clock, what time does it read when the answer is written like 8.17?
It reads 1.08
